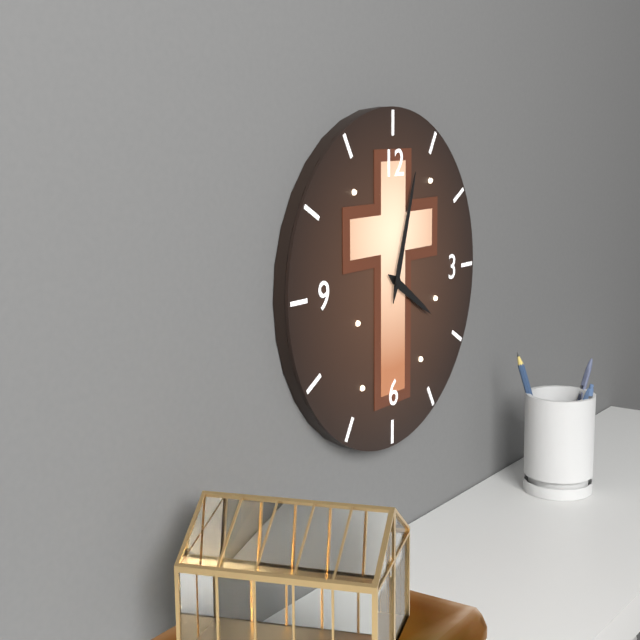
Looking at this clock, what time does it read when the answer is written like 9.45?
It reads 4.03
